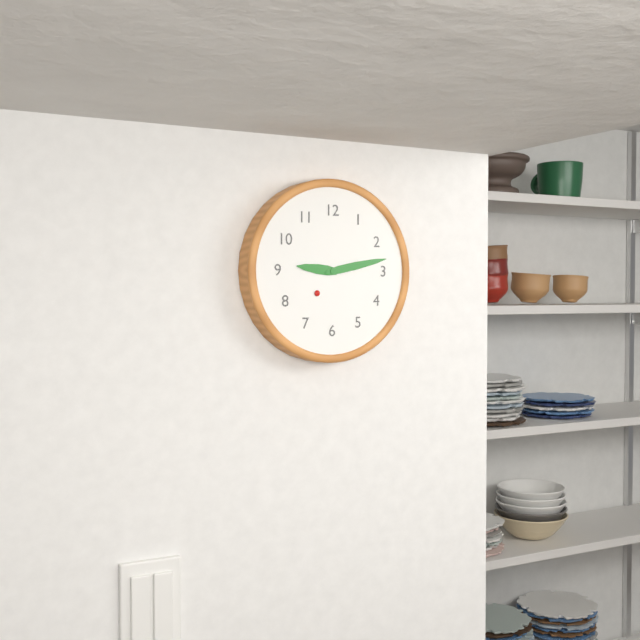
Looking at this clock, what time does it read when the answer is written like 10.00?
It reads 9.13
